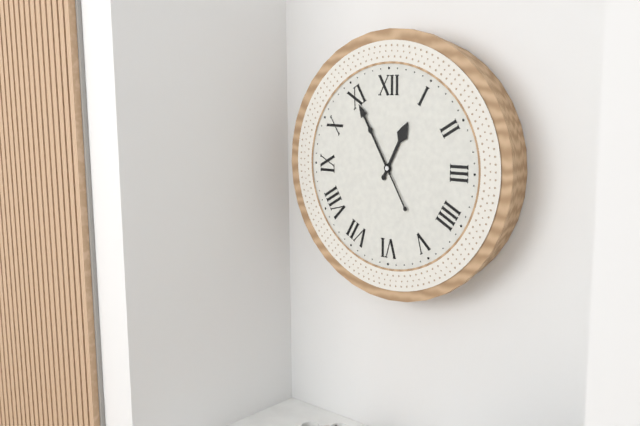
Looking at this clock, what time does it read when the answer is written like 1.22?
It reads 12.55
